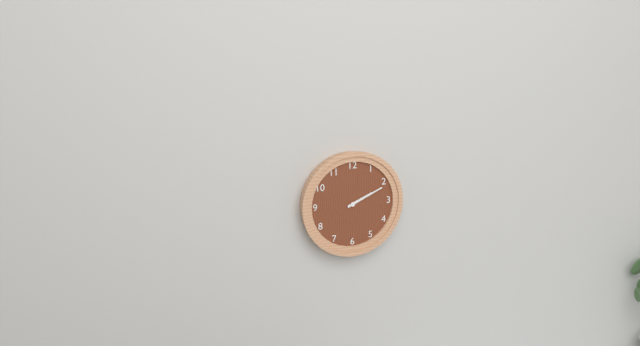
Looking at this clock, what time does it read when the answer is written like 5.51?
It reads 2.11
